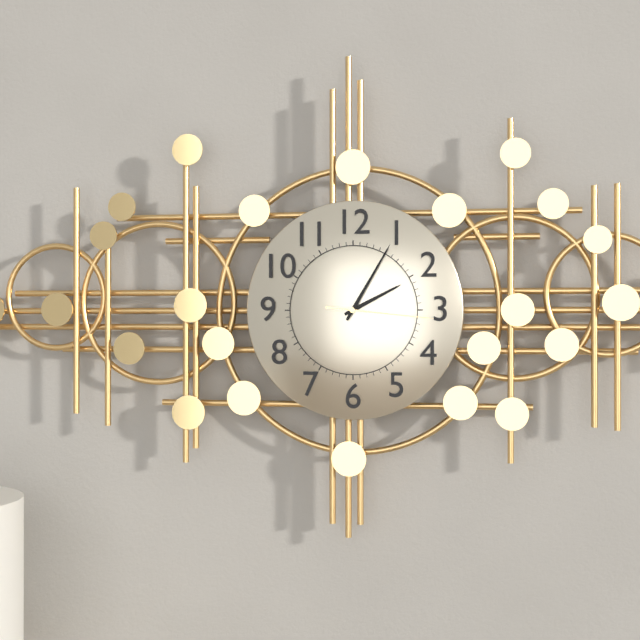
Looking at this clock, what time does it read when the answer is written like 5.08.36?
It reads 2.05.16
